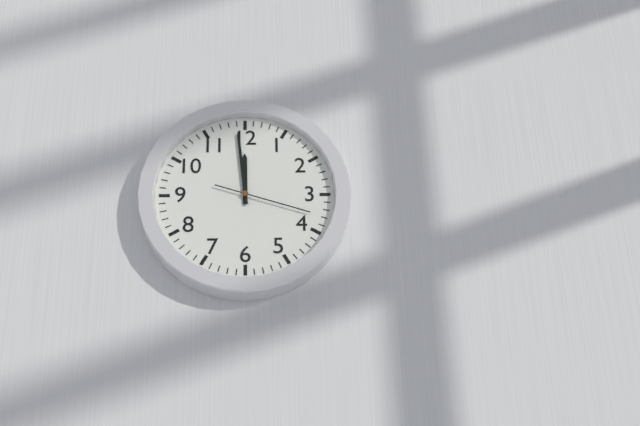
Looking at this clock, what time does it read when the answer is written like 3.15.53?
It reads 11.59.18
